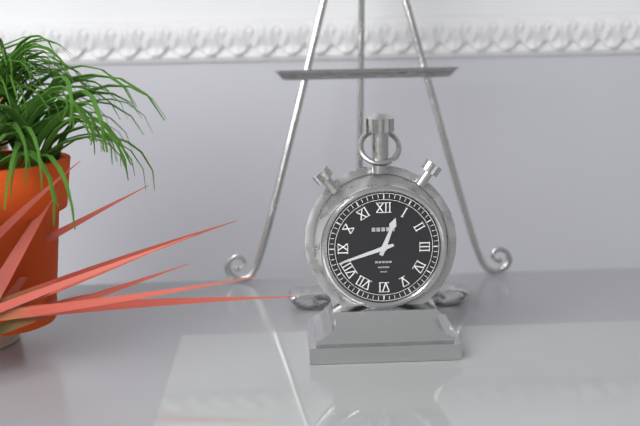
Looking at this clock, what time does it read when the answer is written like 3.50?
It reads 12.42
